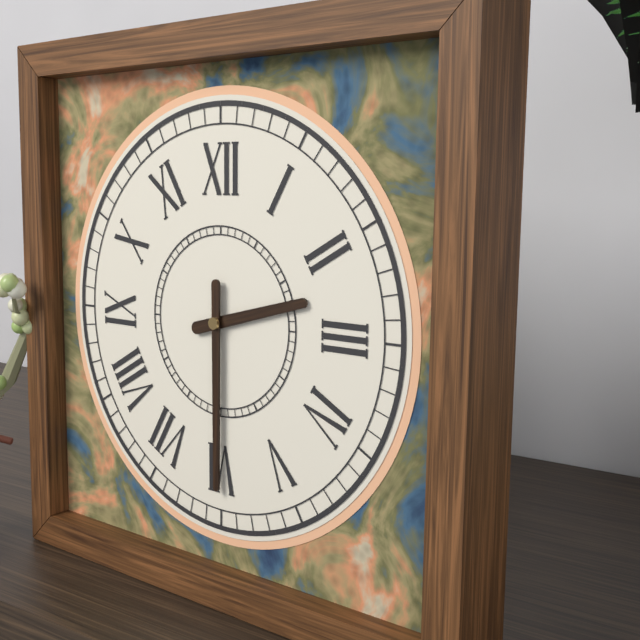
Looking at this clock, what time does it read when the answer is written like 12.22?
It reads 2.30
